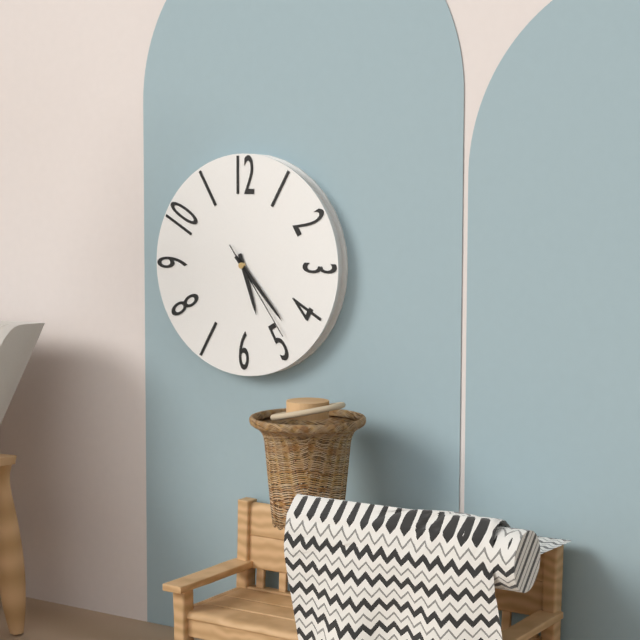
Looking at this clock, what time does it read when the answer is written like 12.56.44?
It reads 5.23.24
